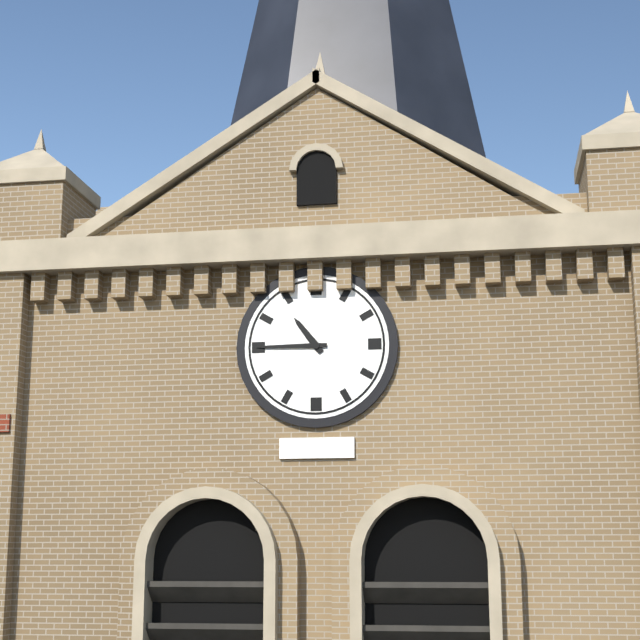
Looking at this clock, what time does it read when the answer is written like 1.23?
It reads 10.45
